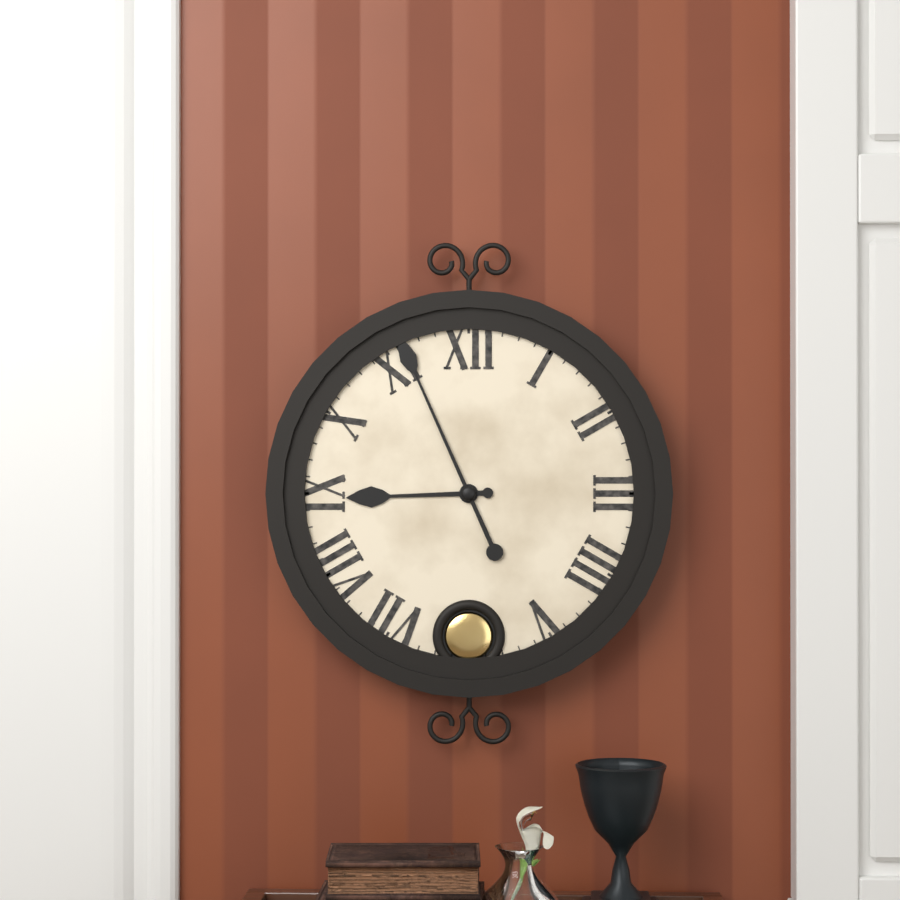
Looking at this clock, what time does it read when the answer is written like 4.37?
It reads 8.56
